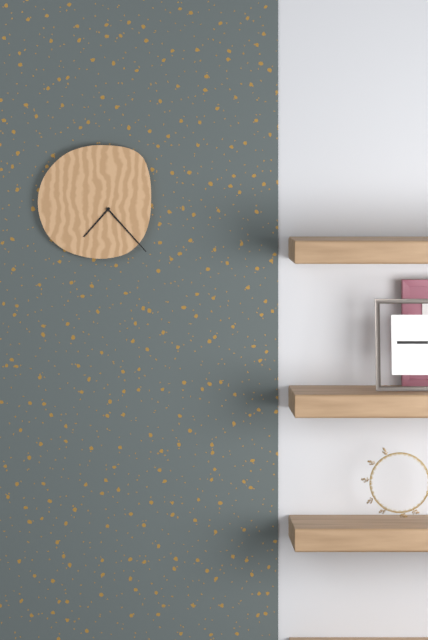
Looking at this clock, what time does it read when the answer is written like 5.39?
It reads 7.23
